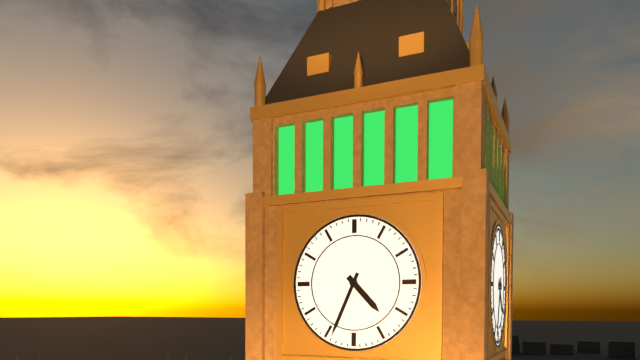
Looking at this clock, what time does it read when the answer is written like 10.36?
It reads 4.34
